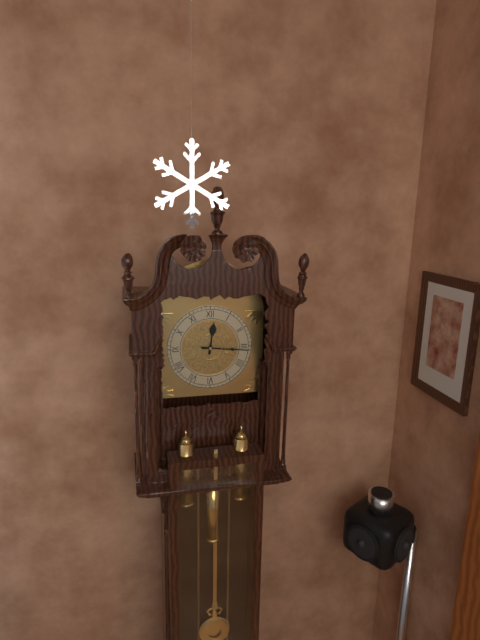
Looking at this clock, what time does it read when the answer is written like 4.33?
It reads 12.16
